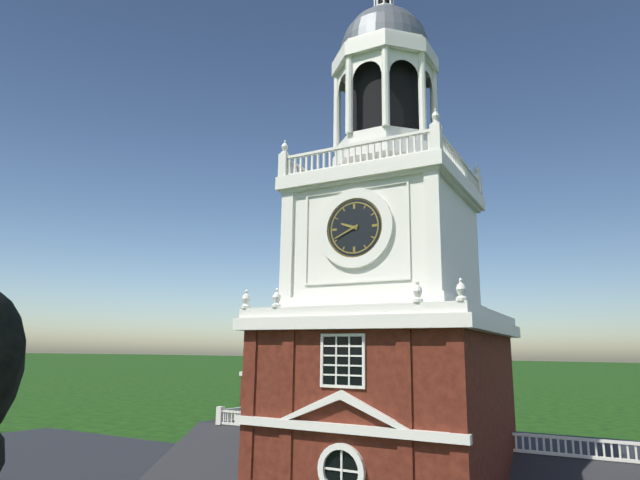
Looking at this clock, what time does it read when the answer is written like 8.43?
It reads 9.41
